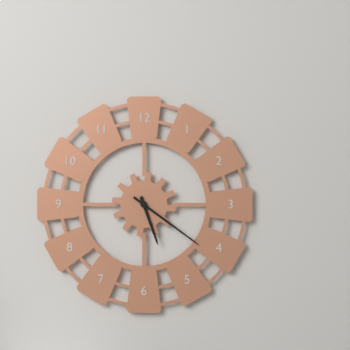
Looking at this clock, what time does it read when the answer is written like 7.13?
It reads 5.21
